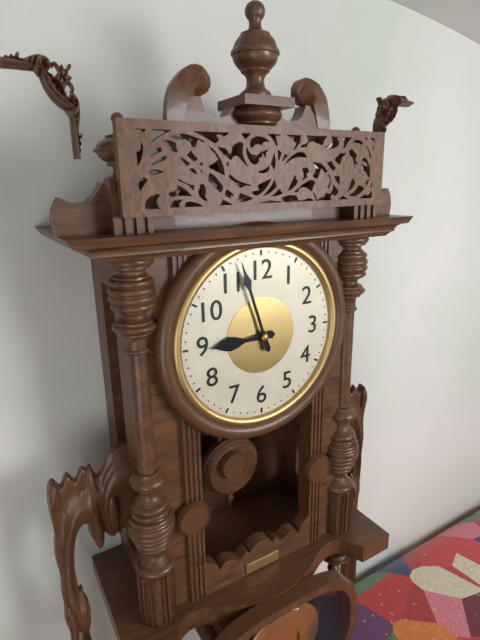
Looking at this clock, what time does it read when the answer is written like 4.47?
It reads 8.57
